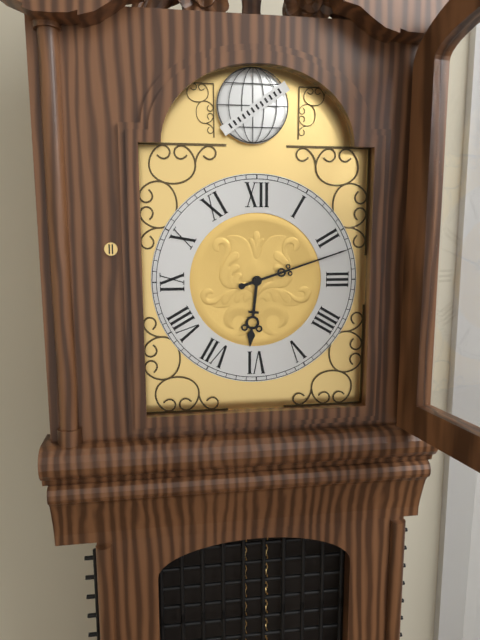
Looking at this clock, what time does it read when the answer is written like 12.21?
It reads 6.12
